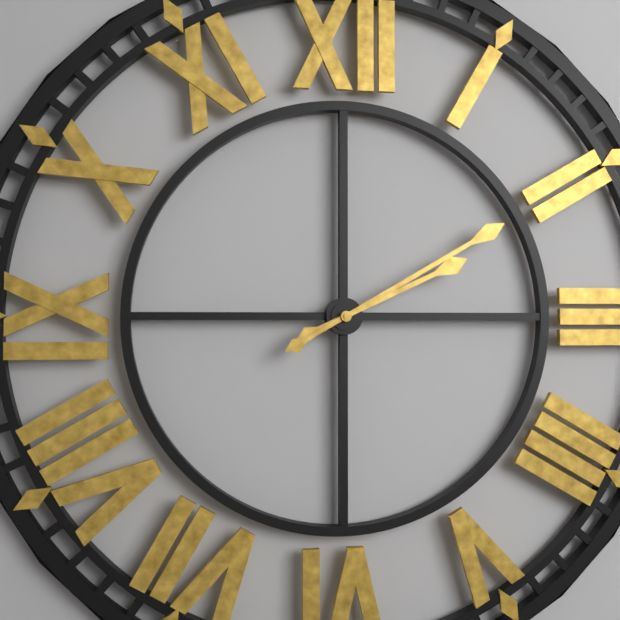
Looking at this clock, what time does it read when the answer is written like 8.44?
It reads 2.10
